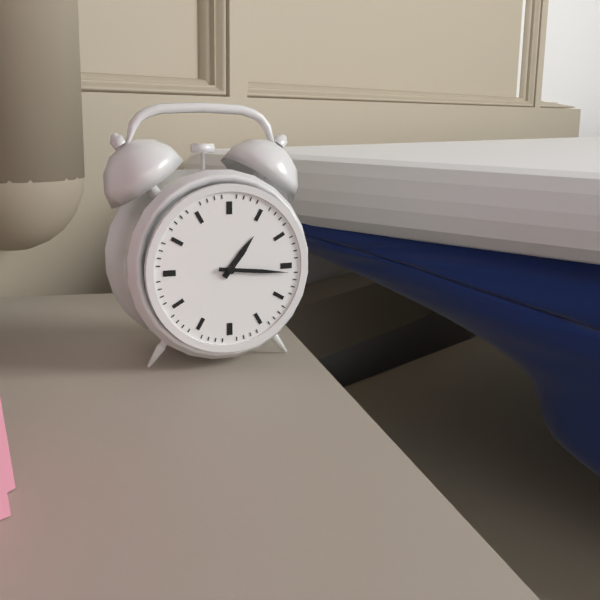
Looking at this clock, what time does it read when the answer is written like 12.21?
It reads 1.16
